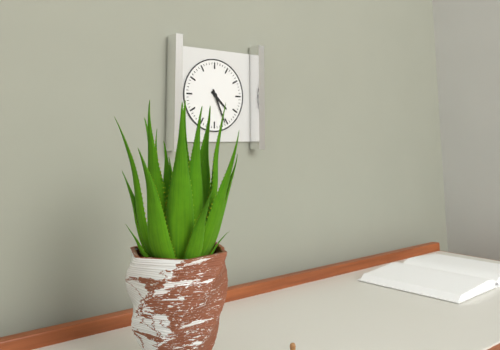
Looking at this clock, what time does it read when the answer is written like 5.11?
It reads 4.26
